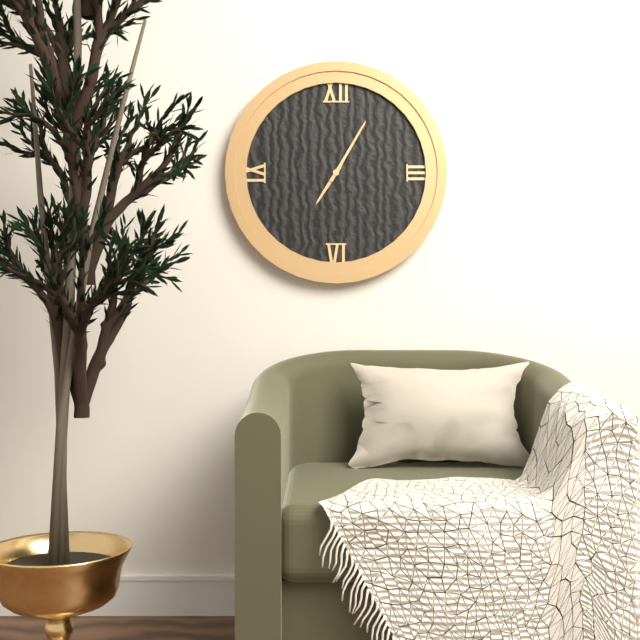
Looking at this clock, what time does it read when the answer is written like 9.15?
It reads 7.05
